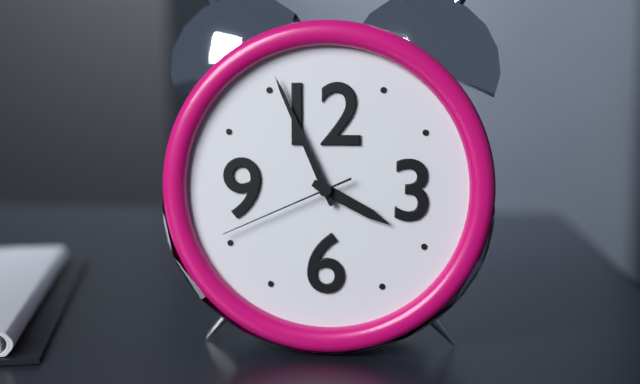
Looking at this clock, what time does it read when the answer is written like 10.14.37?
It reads 3.56.41
